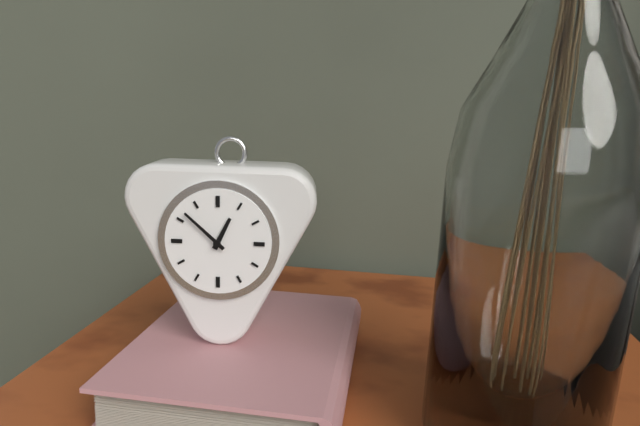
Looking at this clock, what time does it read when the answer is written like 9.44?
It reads 12.52
